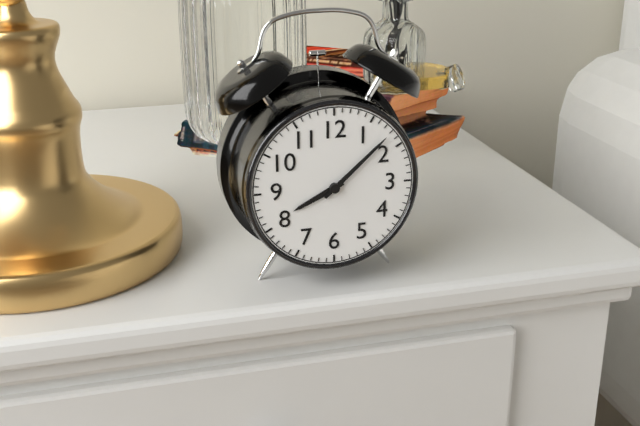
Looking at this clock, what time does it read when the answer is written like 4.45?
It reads 8.08
